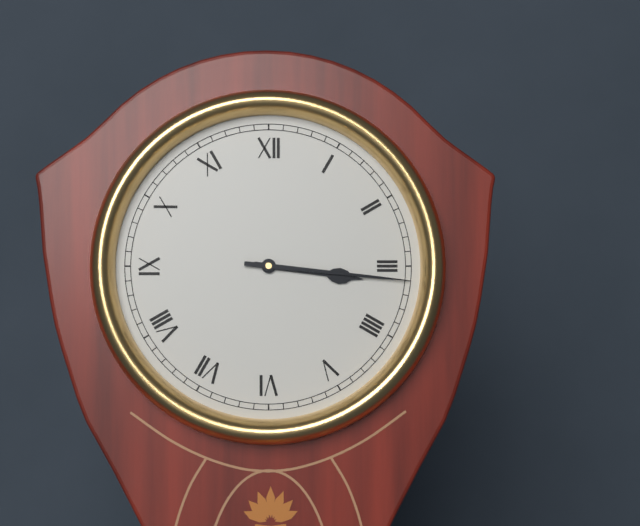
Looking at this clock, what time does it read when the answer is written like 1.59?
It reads 3.16
